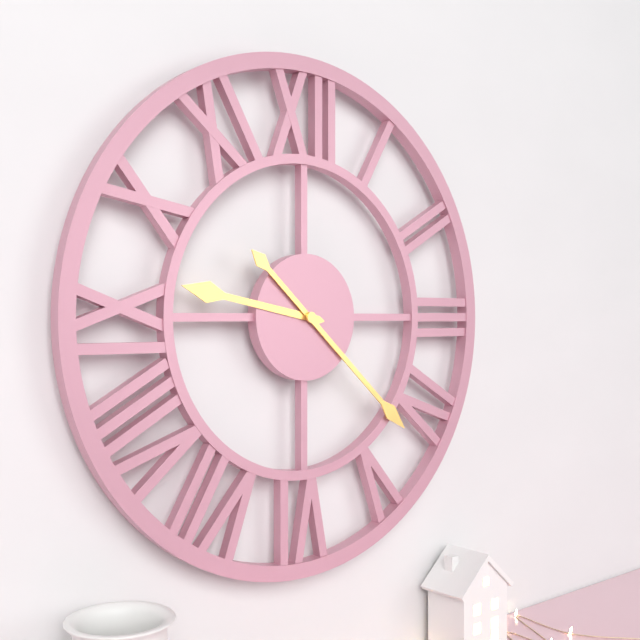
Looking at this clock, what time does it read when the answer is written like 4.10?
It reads 9.22
